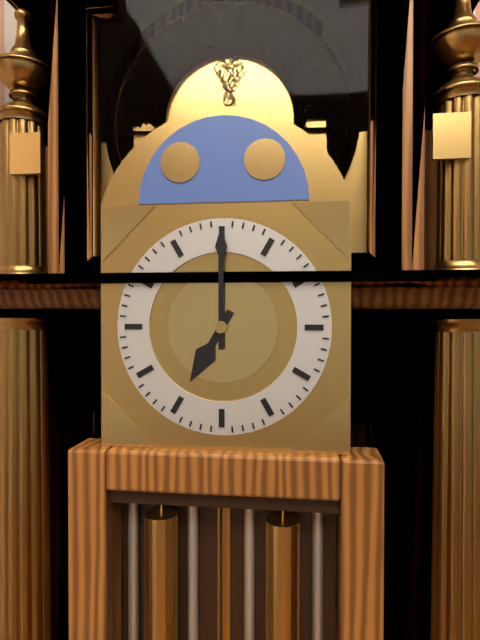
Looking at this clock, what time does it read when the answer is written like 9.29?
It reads 7.00
